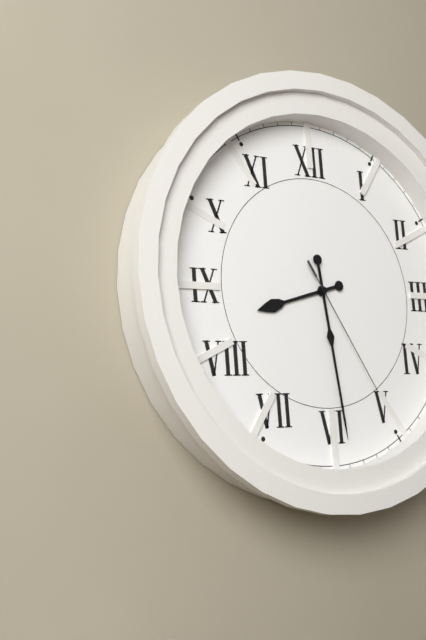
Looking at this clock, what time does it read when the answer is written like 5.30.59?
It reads 8.29.25
